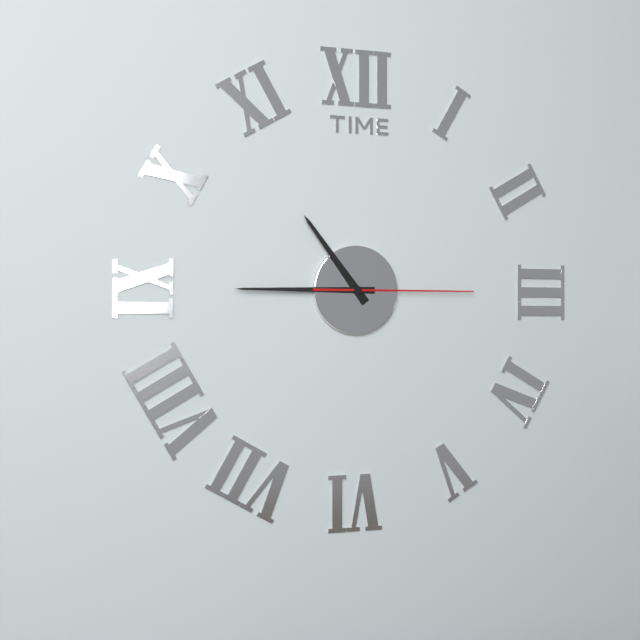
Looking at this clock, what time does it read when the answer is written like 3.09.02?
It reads 10.45.15
